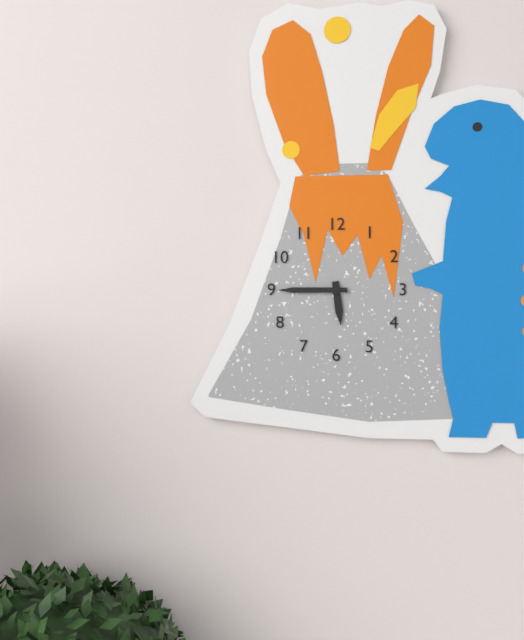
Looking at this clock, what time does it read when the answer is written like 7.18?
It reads 5.45
